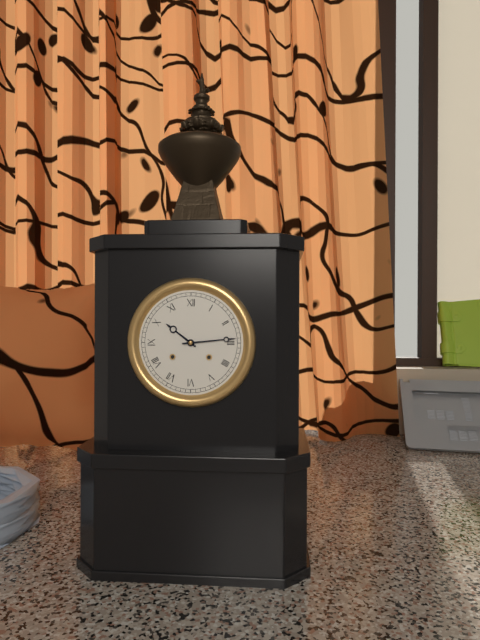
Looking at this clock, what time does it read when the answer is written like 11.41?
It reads 10.14
